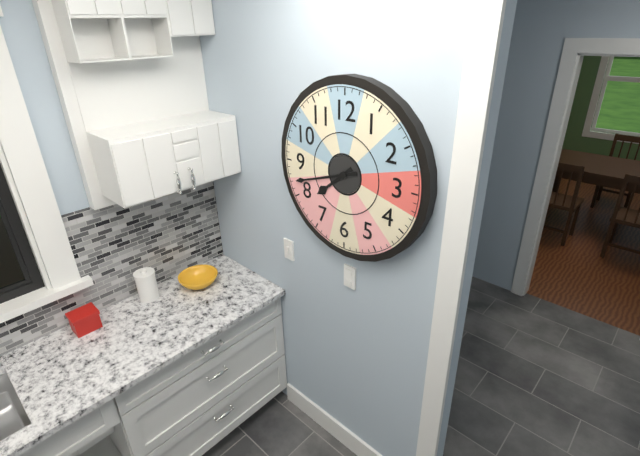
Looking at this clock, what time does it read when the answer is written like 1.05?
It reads 7.42
